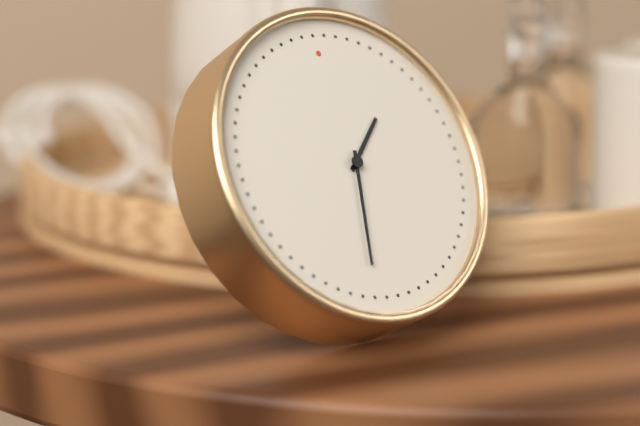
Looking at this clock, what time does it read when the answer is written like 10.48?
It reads 1.32
